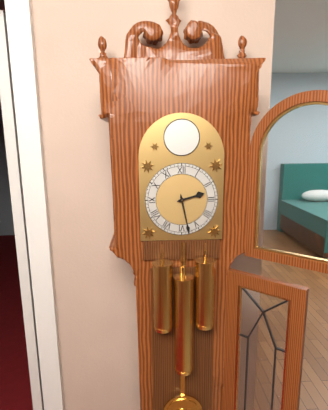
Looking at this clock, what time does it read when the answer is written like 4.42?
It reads 2.28
